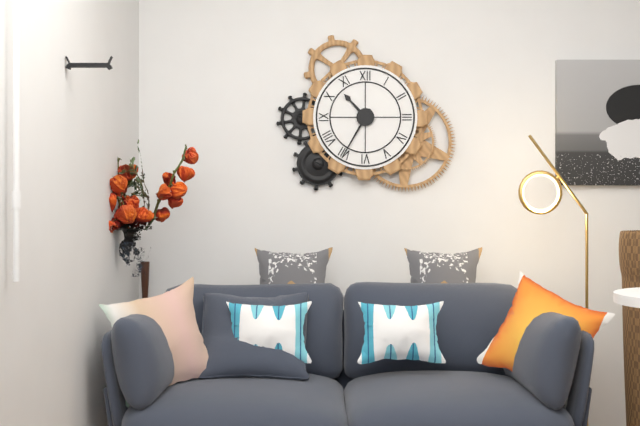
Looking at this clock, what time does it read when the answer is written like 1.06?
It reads 10.35
